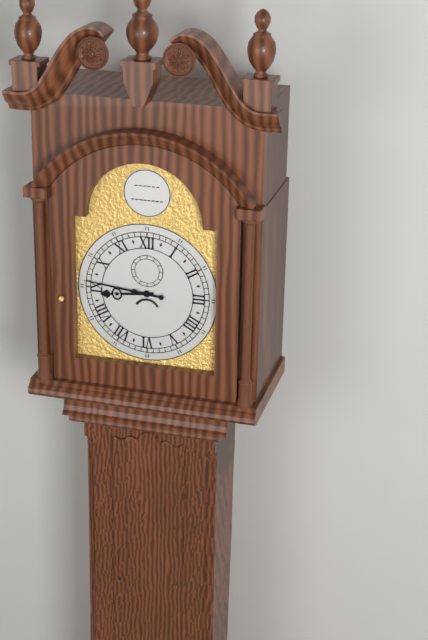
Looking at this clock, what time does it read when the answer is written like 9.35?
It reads 8.46
